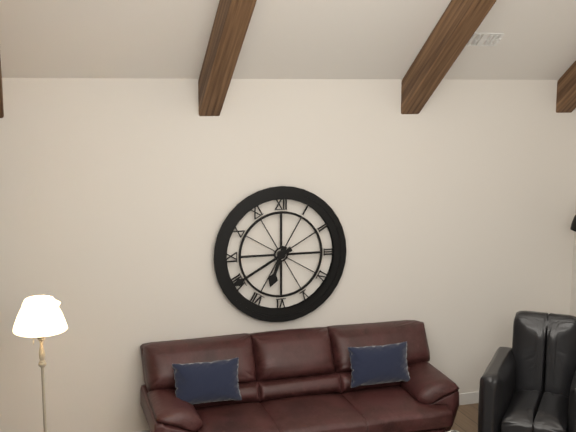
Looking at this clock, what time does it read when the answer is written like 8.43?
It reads 6.40
